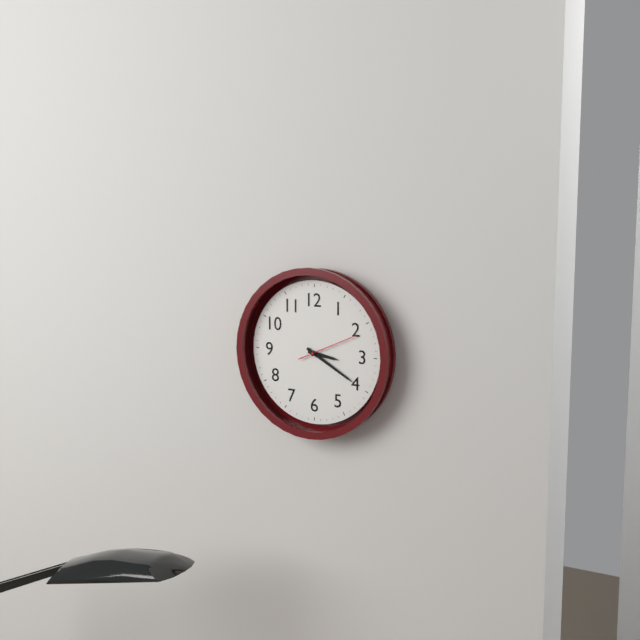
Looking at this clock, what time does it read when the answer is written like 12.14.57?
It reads 3.20.11
